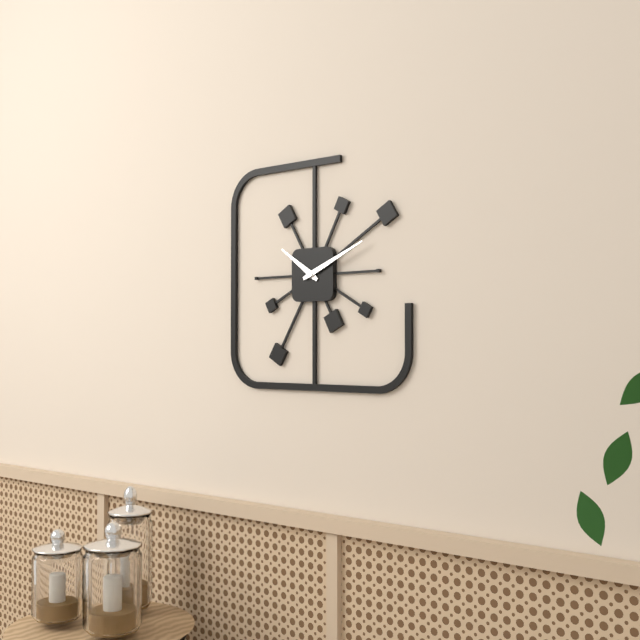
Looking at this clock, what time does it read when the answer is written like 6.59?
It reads 10.11
